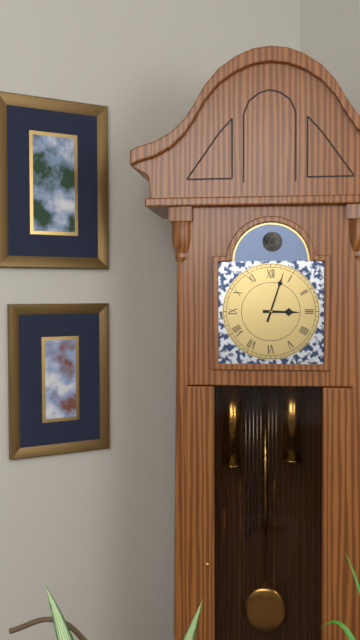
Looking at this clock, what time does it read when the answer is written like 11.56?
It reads 3.03
